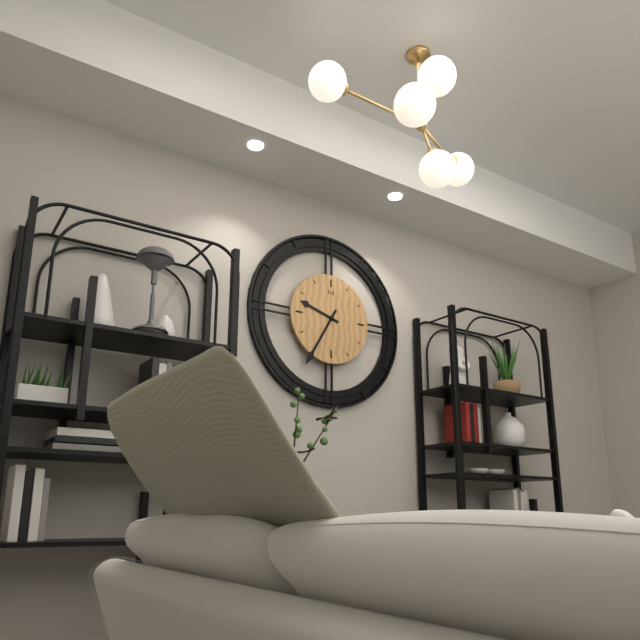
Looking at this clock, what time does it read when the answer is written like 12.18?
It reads 9.35
